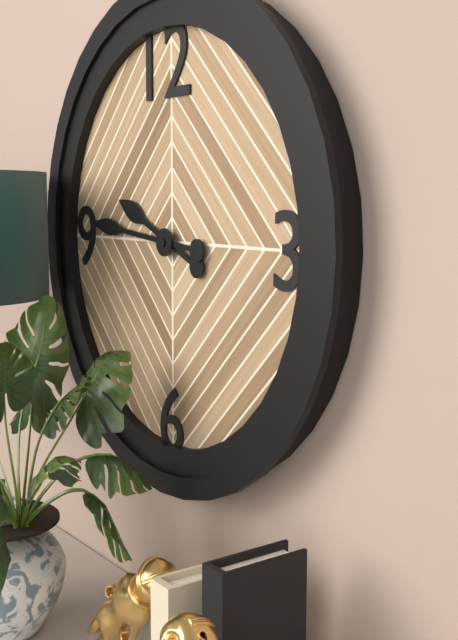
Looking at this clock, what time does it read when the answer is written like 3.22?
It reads 9.46
